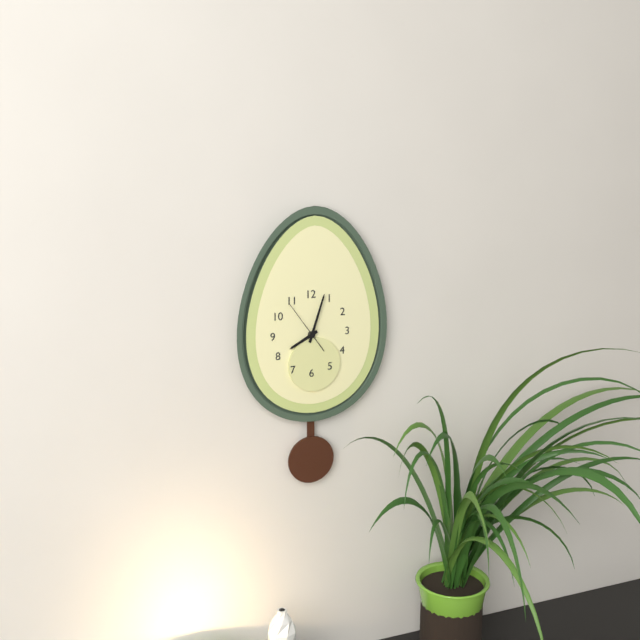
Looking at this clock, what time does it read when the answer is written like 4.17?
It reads 8.03
